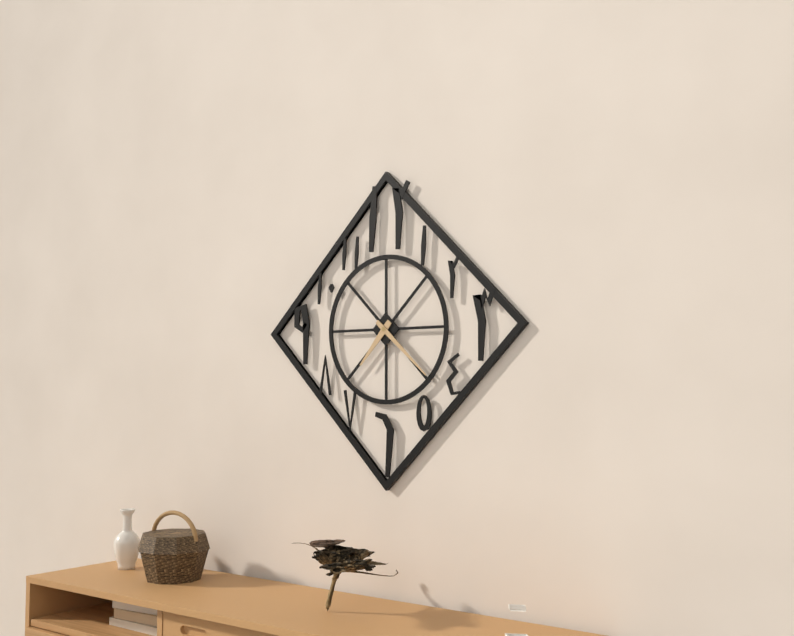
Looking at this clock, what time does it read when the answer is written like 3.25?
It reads 7.22
